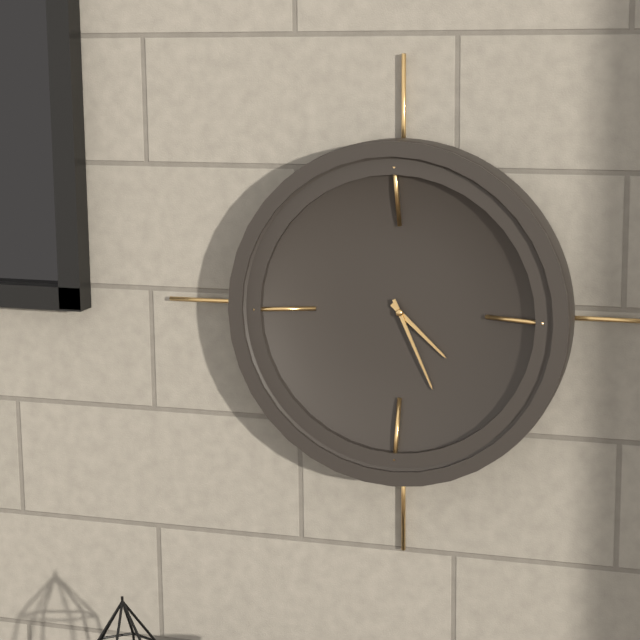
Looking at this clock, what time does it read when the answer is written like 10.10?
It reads 4.26
